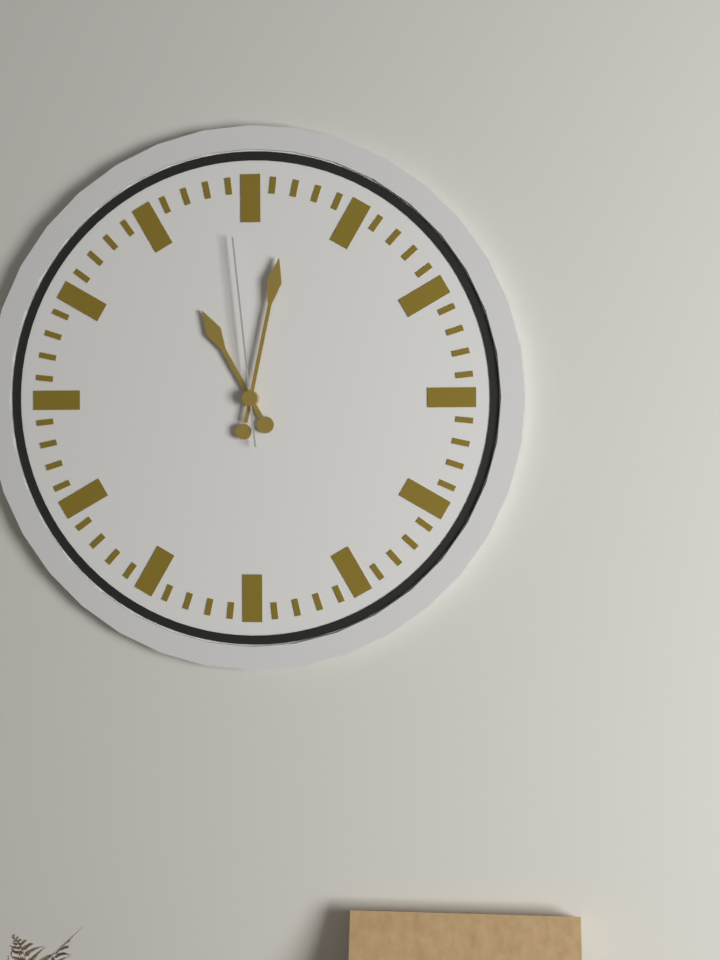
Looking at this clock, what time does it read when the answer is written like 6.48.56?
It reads 11.02.59
